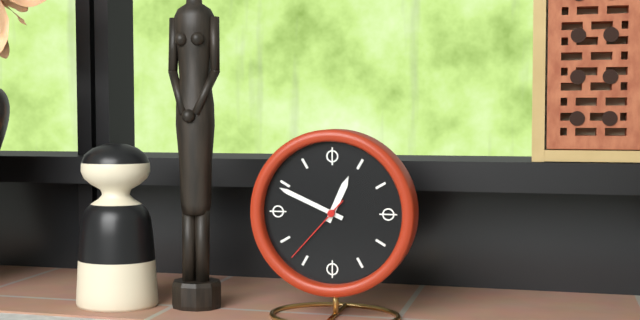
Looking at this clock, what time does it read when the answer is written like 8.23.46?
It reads 12.49.37
